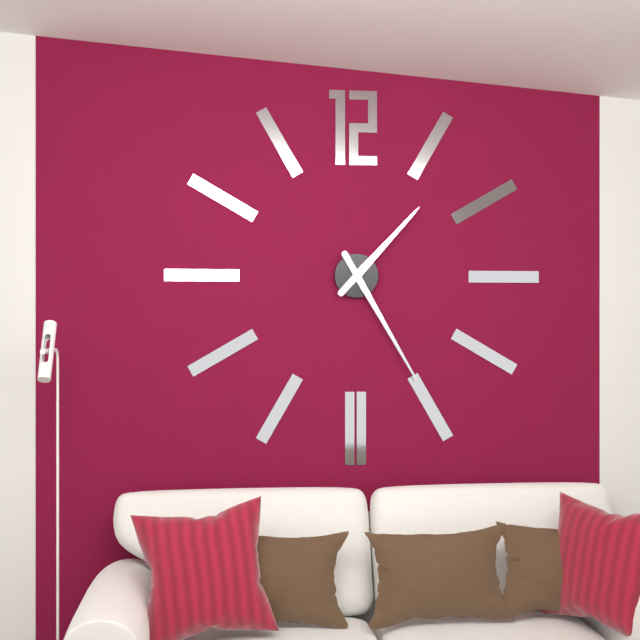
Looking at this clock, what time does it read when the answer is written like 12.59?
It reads 1.25
